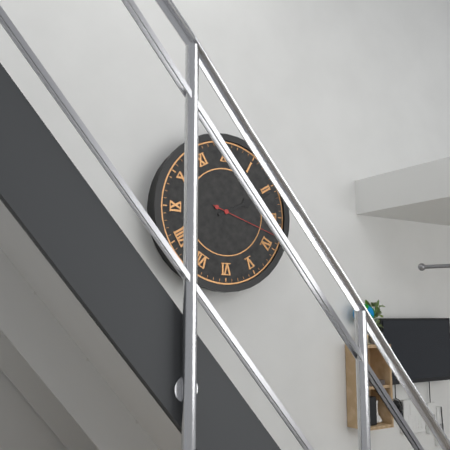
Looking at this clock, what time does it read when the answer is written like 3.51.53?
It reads 2.11.18
